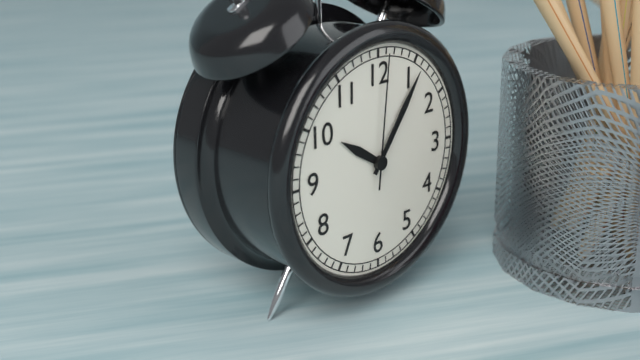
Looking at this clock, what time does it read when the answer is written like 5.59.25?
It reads 10.06.01
